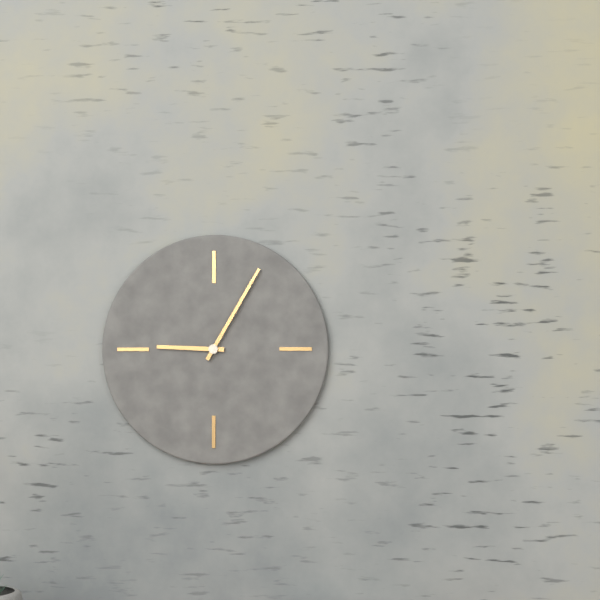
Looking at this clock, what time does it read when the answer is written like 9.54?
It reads 9.05
